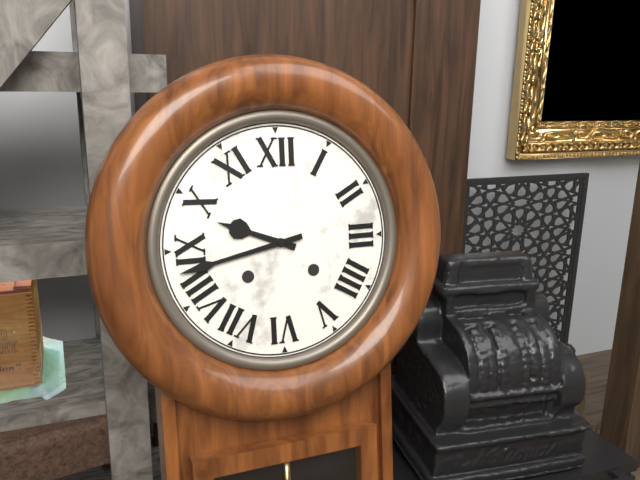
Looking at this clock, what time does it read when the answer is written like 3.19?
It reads 9.43
